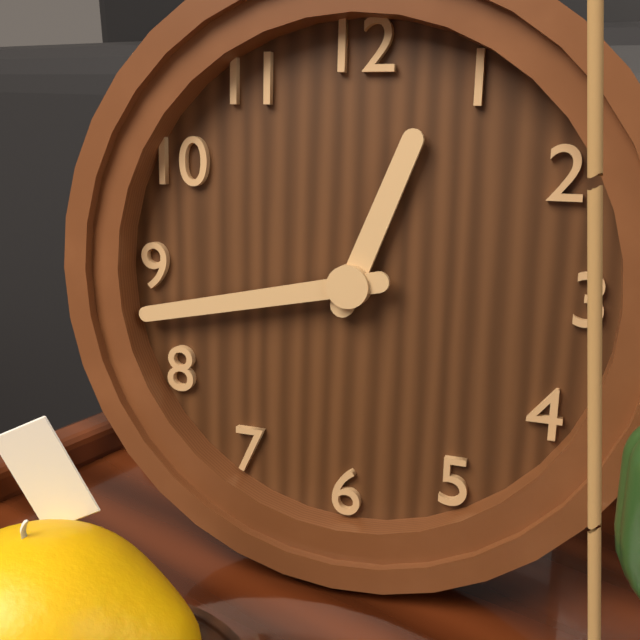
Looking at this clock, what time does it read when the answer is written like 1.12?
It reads 12.43
